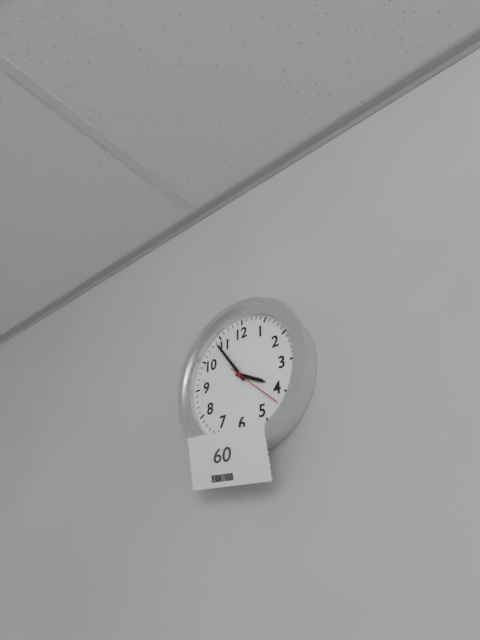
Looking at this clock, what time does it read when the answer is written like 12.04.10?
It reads 3.54.22
